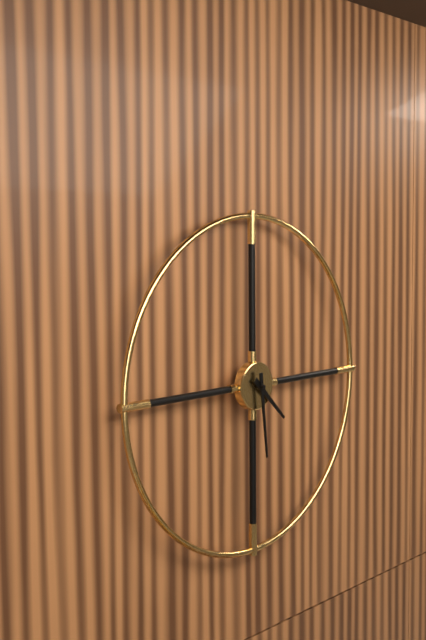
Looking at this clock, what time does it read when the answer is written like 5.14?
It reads 4.29
